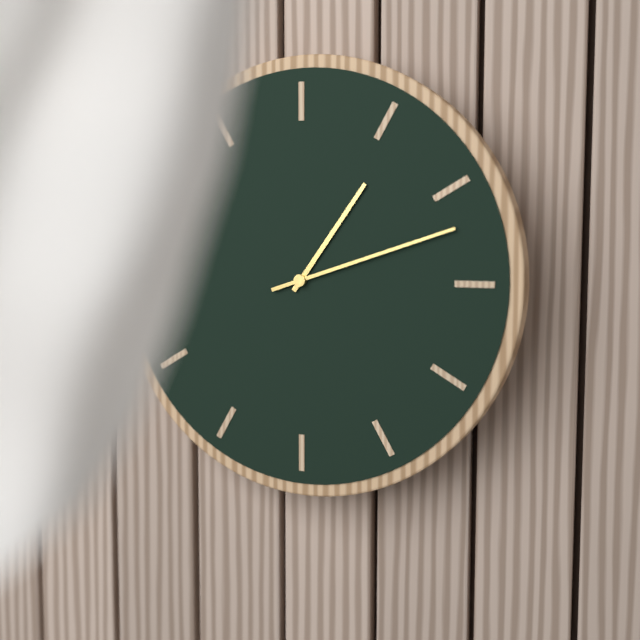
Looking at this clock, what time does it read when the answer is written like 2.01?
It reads 1.12
